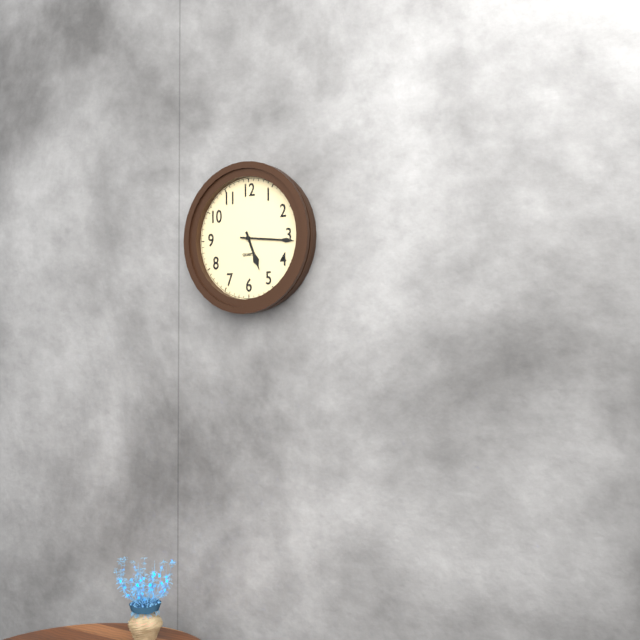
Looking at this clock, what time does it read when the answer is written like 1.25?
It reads 5.16
